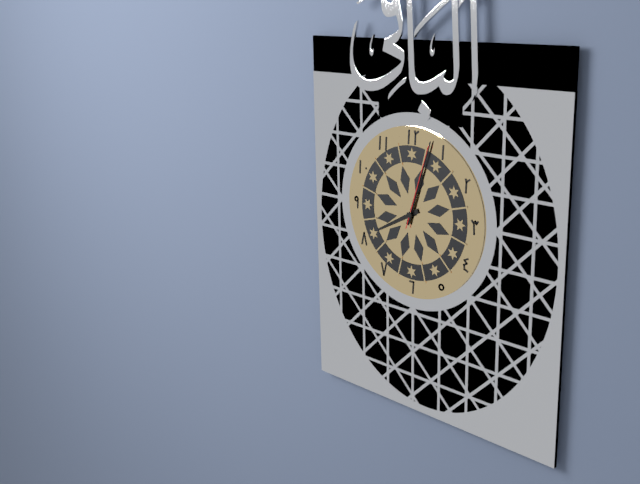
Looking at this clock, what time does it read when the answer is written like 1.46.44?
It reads 8.03.03
